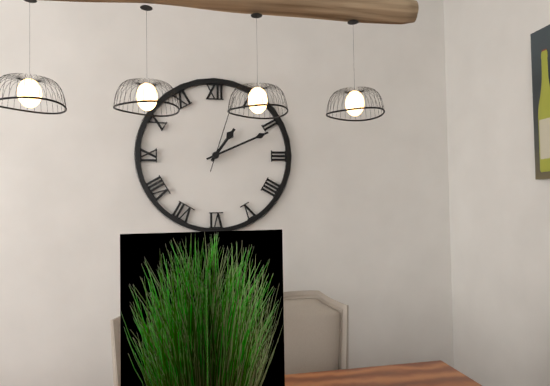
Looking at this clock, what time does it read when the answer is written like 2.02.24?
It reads 1.11.03
